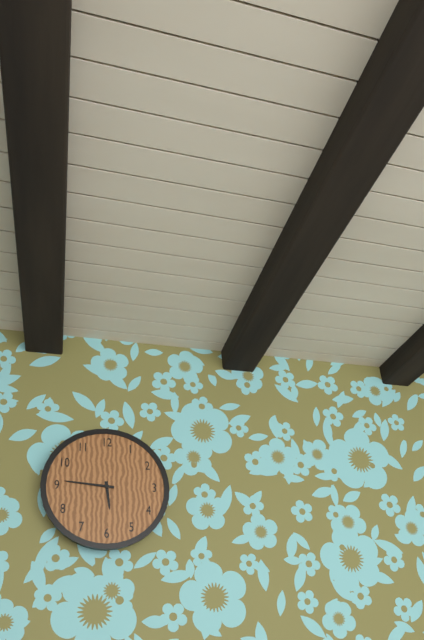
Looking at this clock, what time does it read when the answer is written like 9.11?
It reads 5.46
